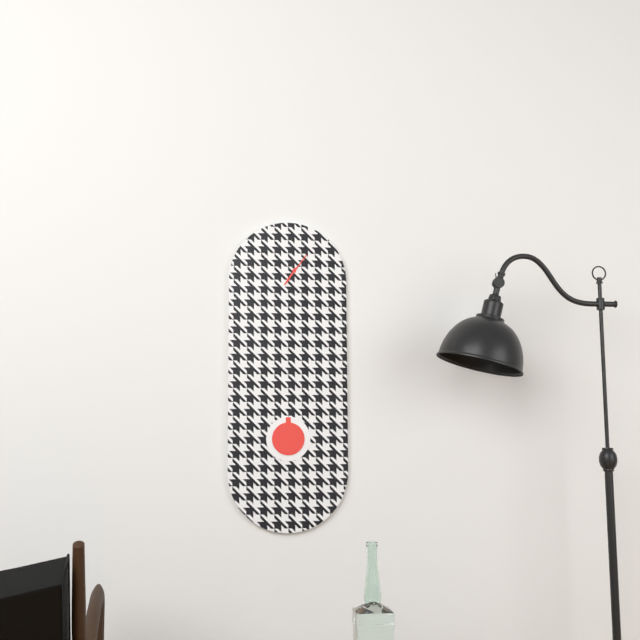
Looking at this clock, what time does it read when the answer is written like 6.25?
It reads 1.06
